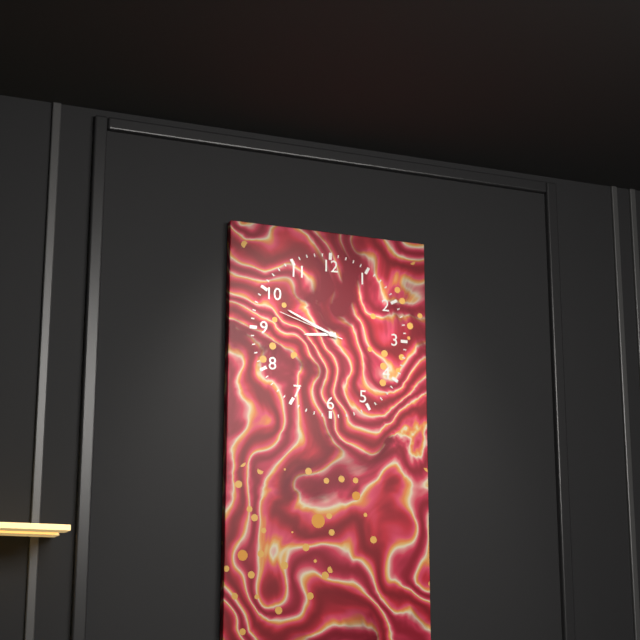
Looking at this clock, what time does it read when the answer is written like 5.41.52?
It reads 8.49.48
